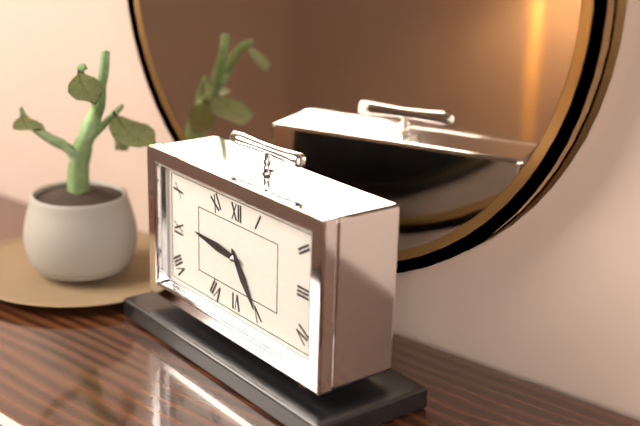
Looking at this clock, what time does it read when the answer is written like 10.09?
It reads 4.46
